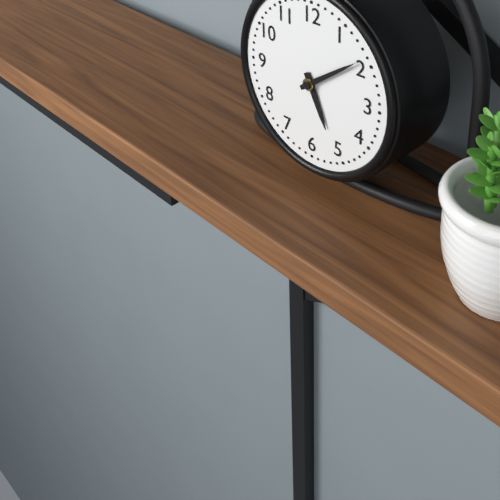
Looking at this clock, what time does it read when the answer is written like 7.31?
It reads 5.09
